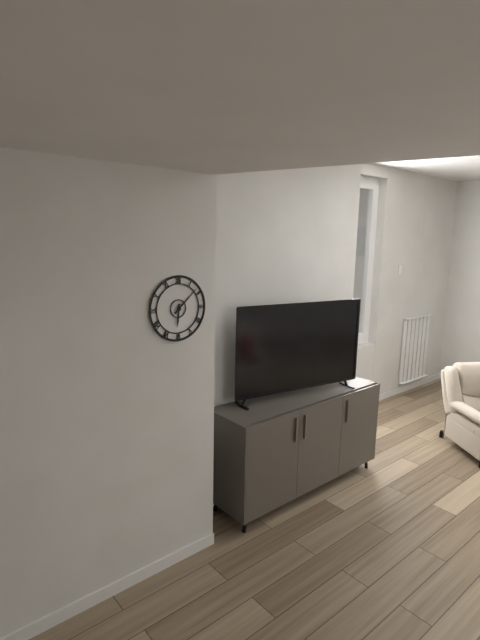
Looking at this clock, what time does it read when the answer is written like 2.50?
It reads 6.08
